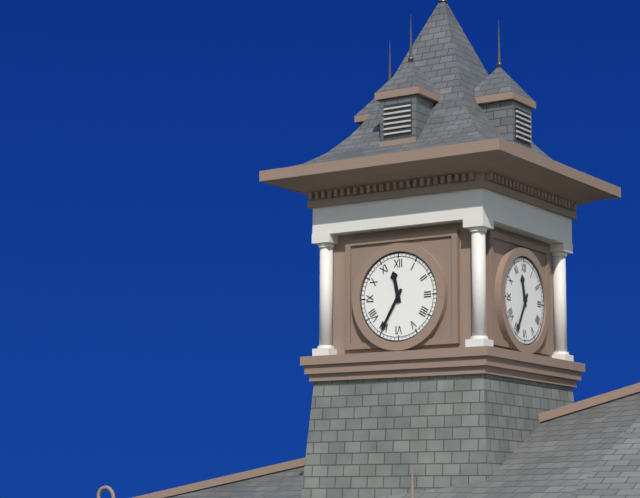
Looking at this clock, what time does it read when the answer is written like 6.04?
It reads 11.35
